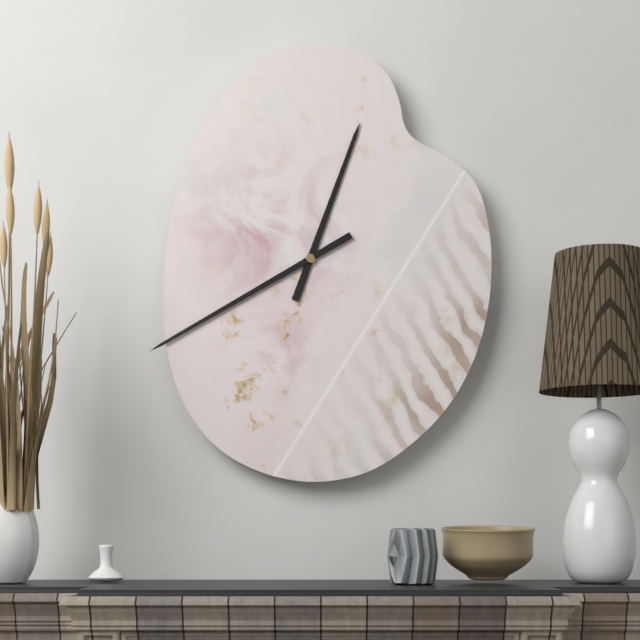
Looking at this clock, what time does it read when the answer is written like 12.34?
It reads 12.40
